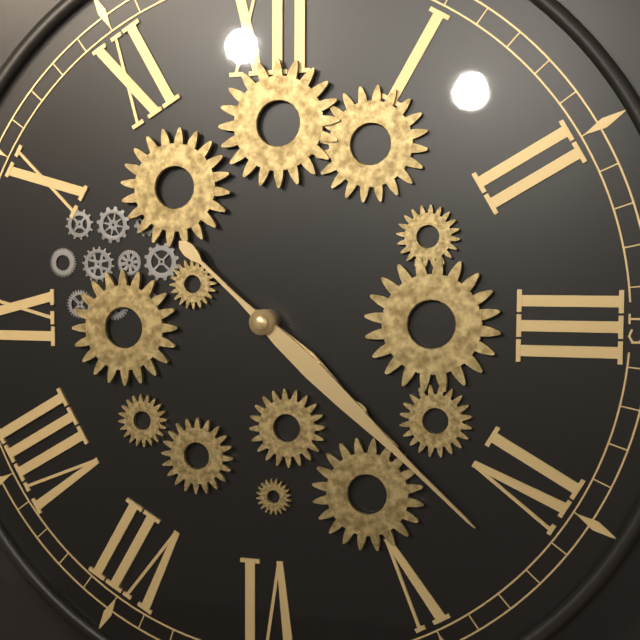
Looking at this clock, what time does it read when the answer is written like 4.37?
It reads 4.22
